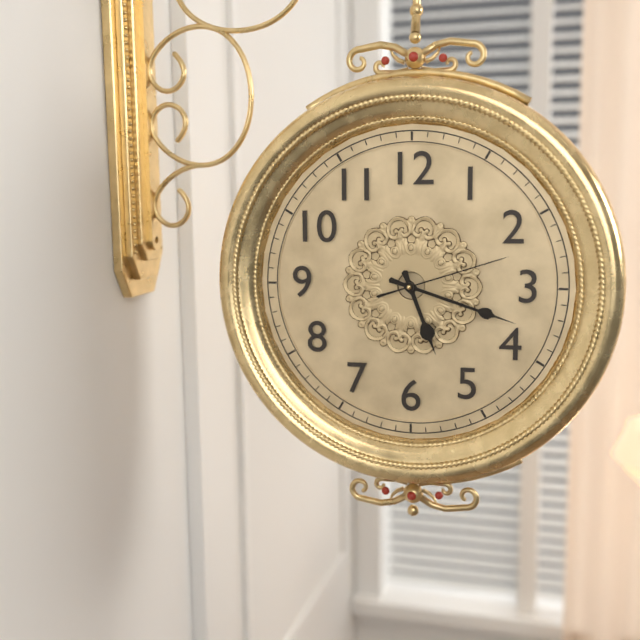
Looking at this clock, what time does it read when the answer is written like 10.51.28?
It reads 5.18.12
